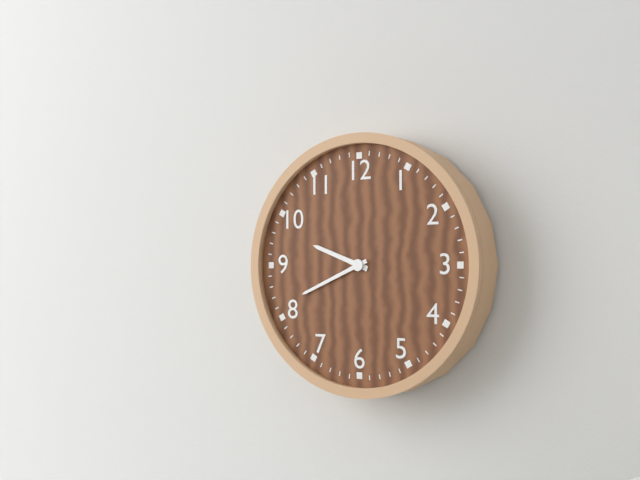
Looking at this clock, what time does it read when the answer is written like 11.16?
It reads 9.41
